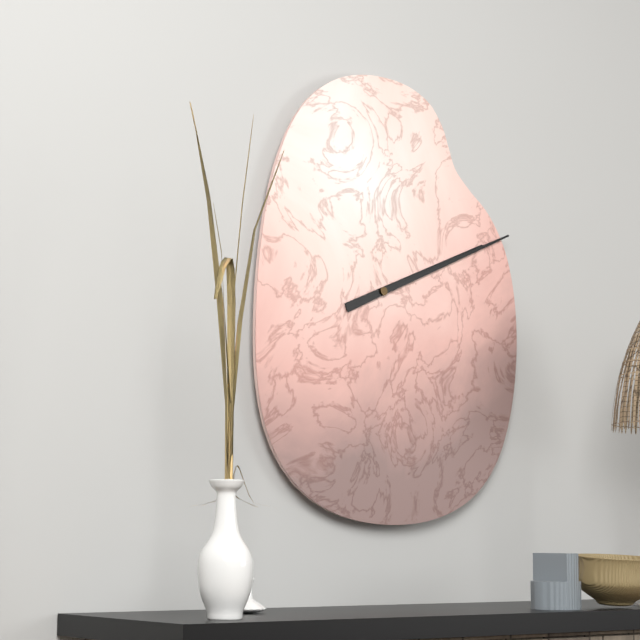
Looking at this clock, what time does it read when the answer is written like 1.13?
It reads 2.11
